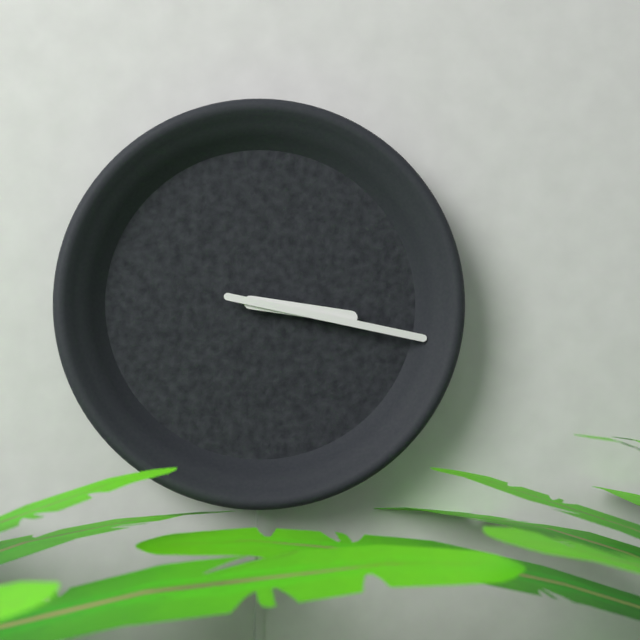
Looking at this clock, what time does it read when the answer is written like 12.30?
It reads 3.17
